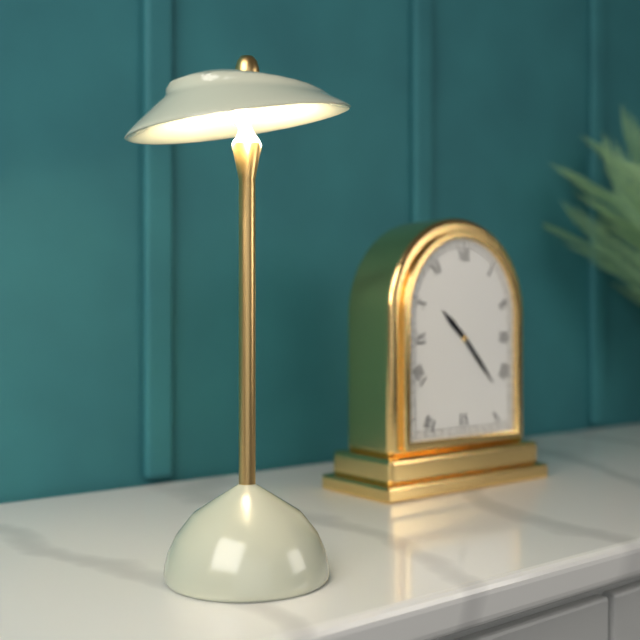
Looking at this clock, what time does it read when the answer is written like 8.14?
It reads 10.23
